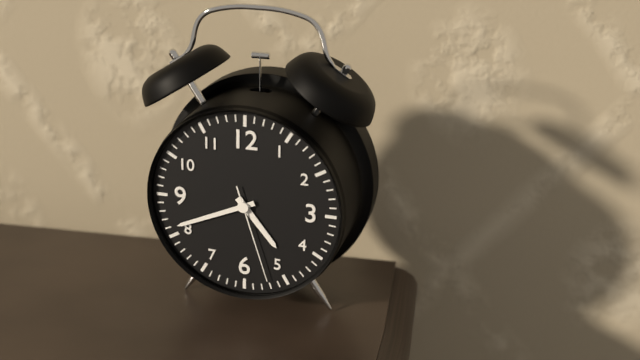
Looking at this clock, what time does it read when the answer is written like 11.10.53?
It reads 4.41.27
